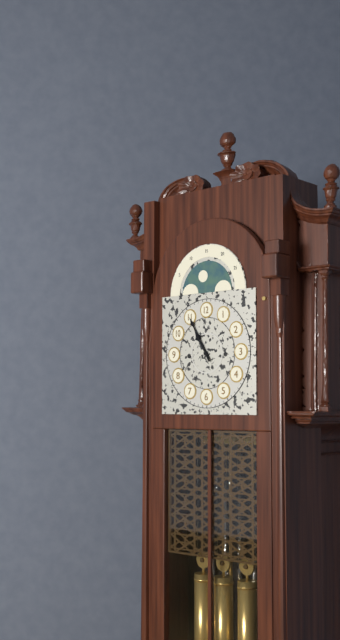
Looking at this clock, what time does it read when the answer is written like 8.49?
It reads 10.55
